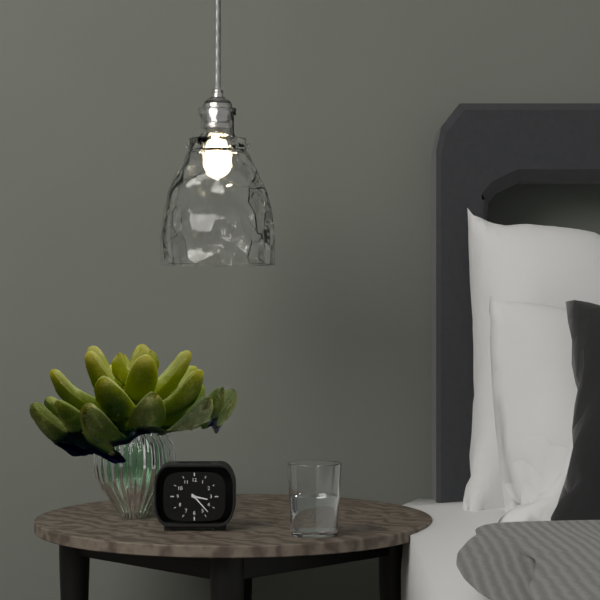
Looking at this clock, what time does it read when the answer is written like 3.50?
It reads 3.23
